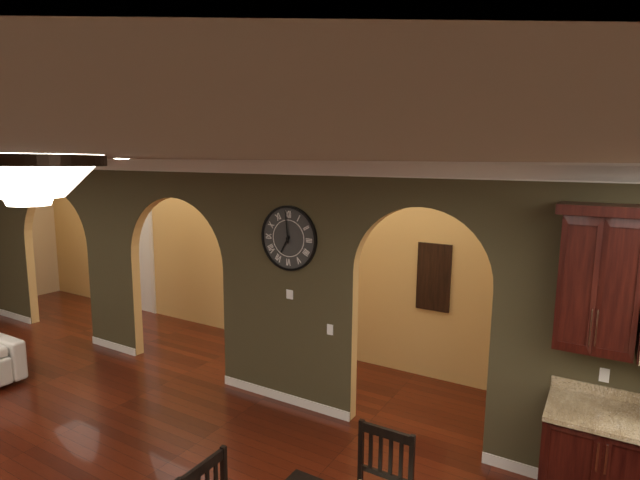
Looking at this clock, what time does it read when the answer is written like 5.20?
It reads 6.59
